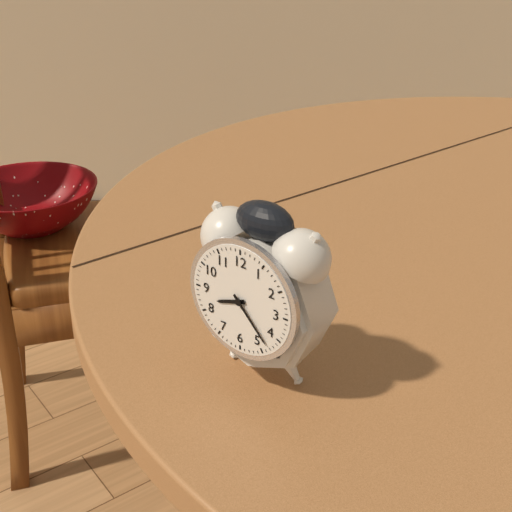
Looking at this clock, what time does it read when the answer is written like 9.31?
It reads 8.23
